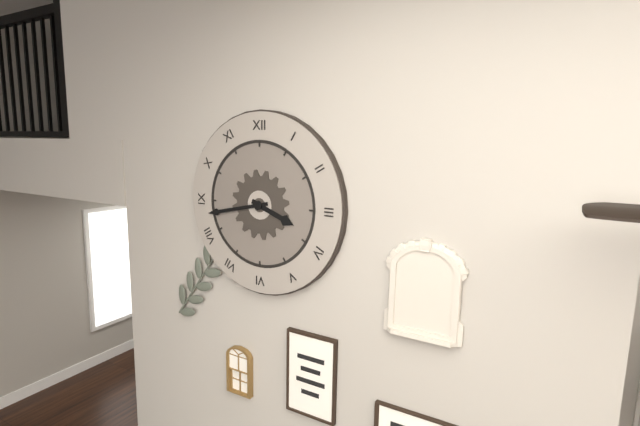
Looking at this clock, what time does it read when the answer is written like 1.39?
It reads 3.43
